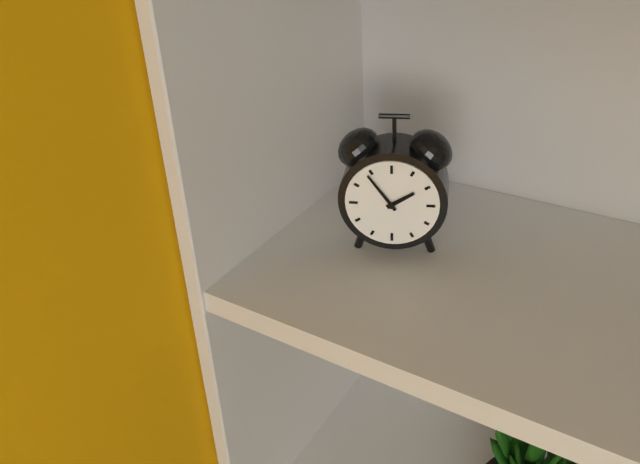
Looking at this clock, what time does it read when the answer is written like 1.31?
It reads 1.54
